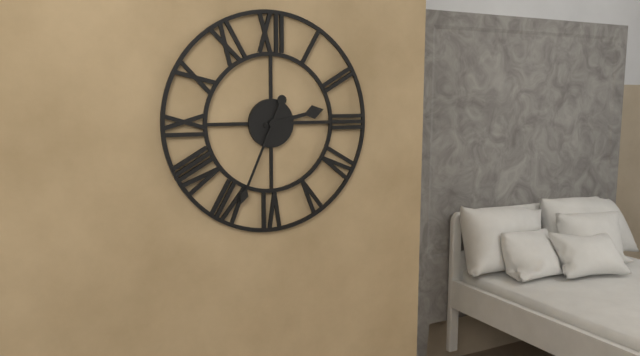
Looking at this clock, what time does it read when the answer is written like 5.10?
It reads 2.34
